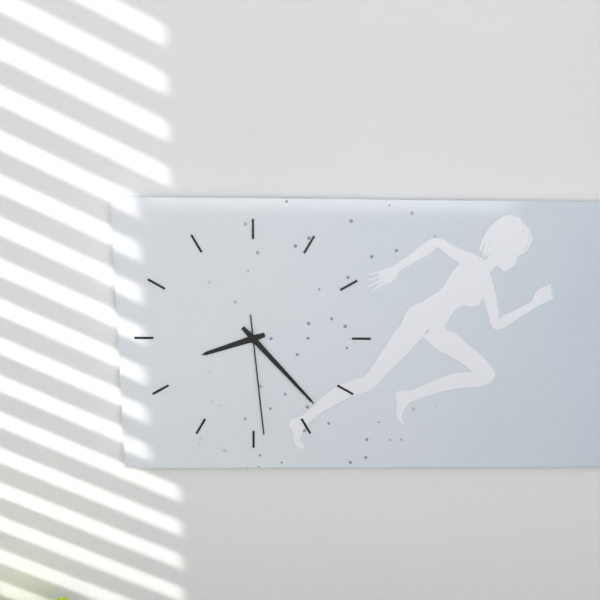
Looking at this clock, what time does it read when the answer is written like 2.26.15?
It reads 8.23.29
